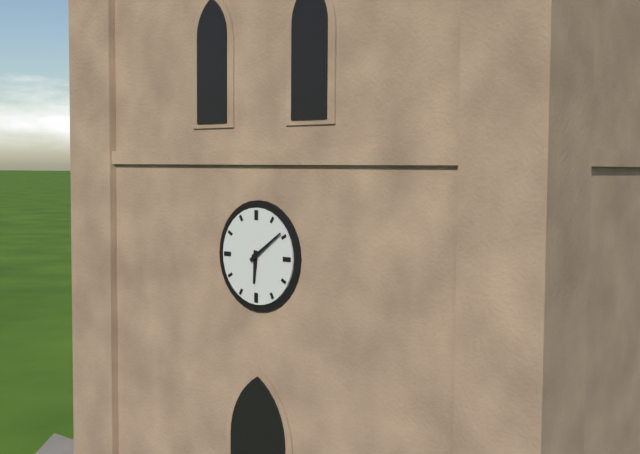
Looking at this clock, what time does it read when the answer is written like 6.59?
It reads 6.09
